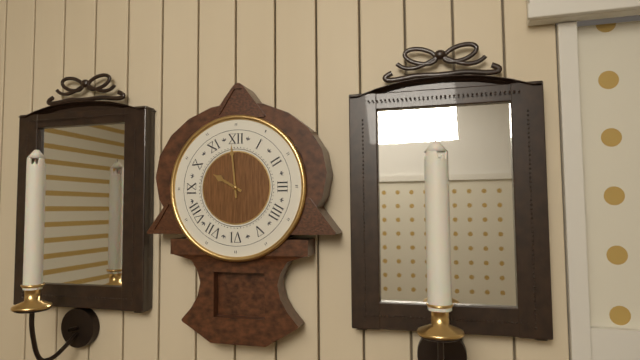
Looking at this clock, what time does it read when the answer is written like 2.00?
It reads 9.59
